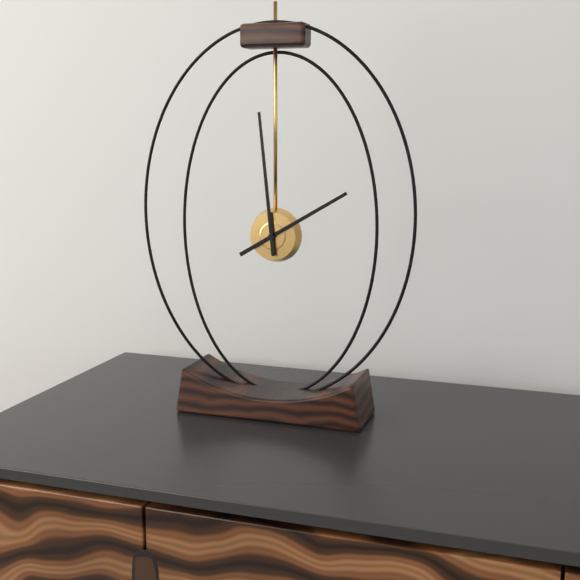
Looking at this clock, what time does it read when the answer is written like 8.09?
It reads 1.59
